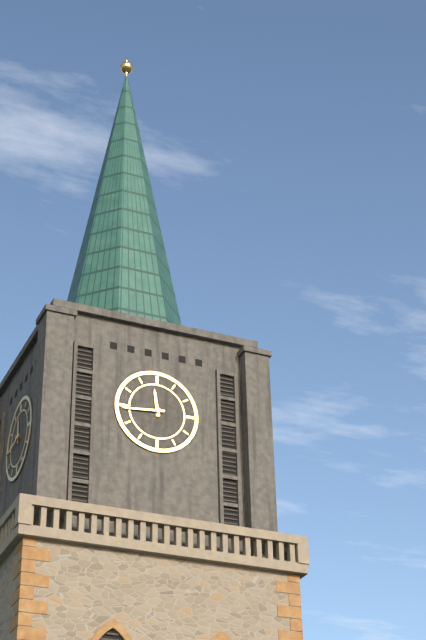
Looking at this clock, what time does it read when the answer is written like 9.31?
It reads 11.44
